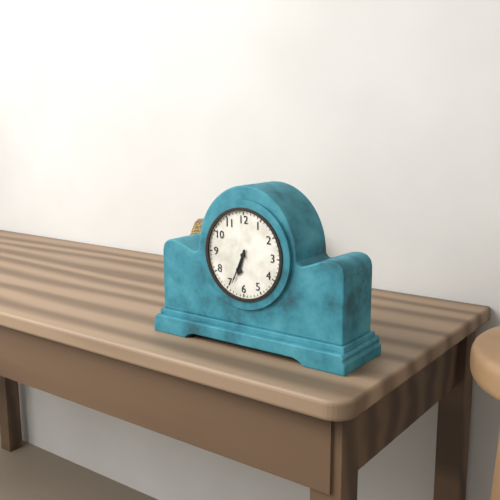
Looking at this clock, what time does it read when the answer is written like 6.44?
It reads 6.34
